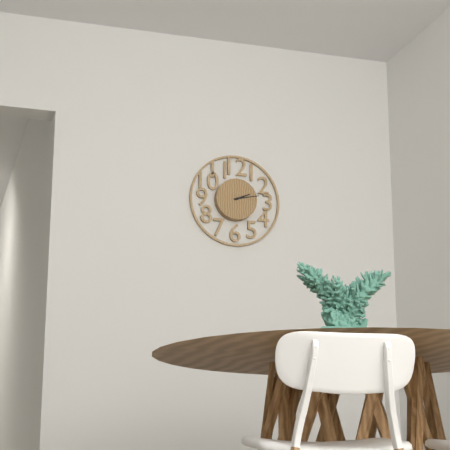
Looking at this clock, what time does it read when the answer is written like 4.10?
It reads 2.13
